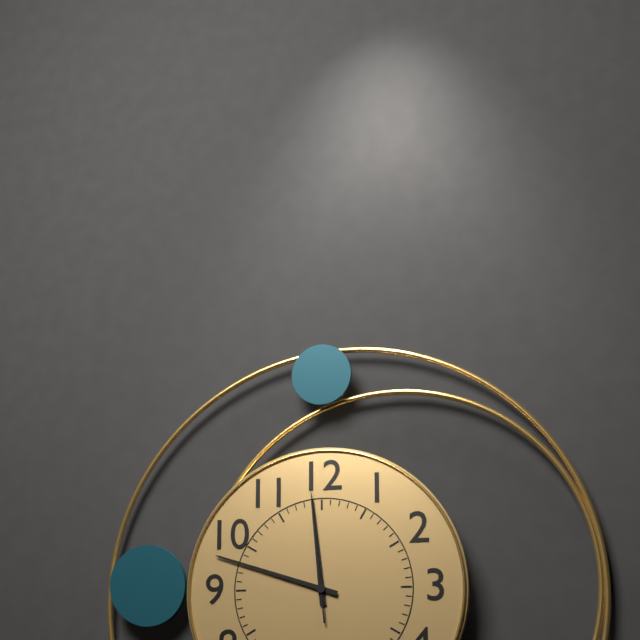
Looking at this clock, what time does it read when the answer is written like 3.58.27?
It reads 11.48.59
